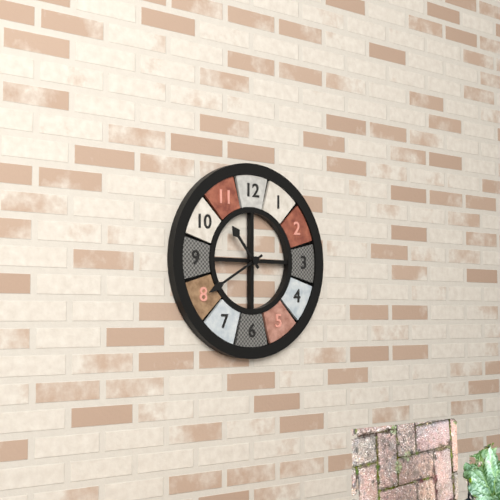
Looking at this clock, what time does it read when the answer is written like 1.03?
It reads 10.40
